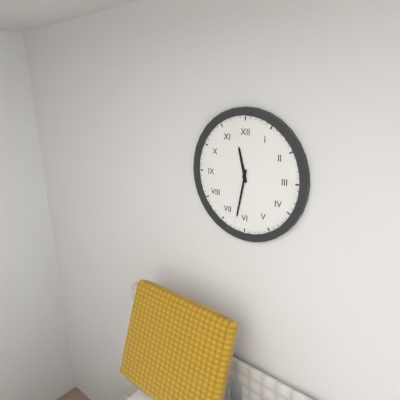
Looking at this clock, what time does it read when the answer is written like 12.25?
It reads 11.32
